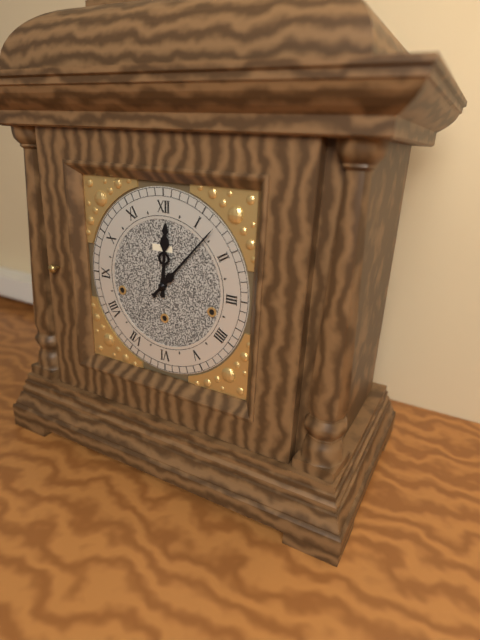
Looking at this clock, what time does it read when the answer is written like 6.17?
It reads 12.07
